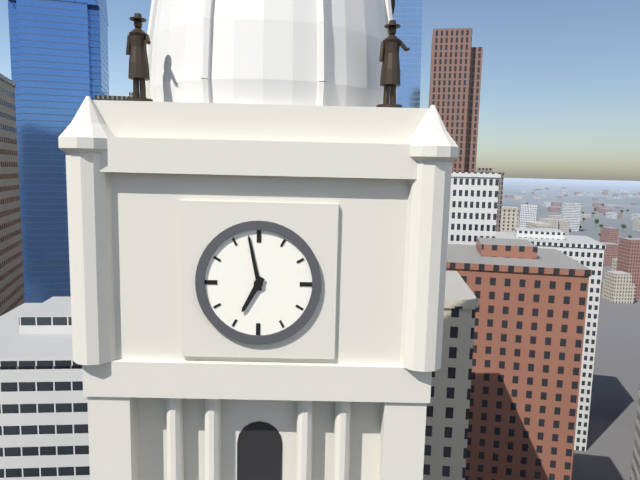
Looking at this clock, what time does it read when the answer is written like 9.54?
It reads 6.58
